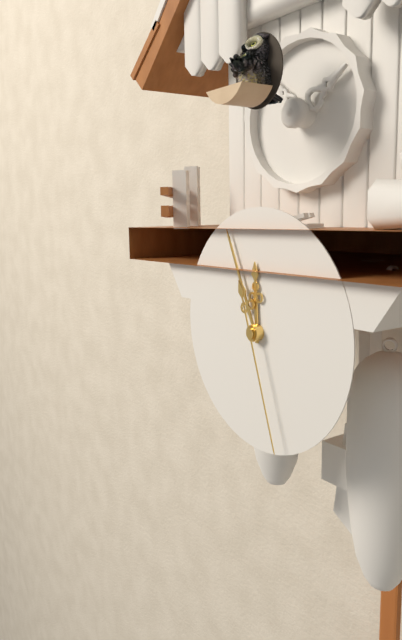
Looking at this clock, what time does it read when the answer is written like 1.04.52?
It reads 11.56.27
